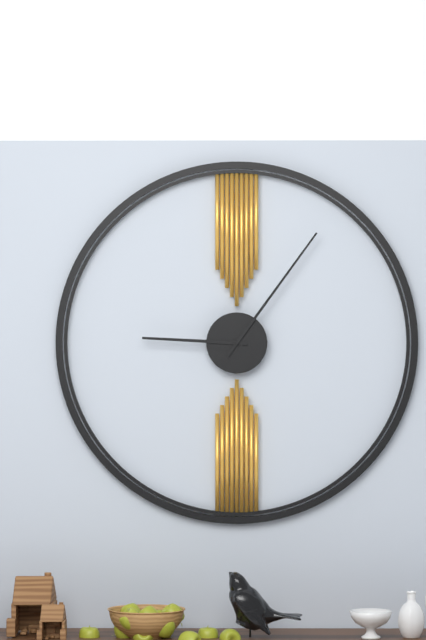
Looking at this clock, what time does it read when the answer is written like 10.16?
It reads 9.06
